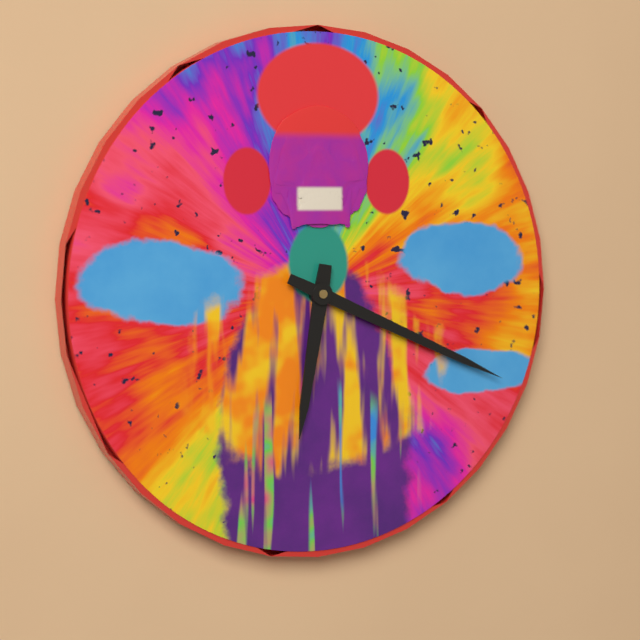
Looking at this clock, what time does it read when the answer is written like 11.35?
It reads 6.19
